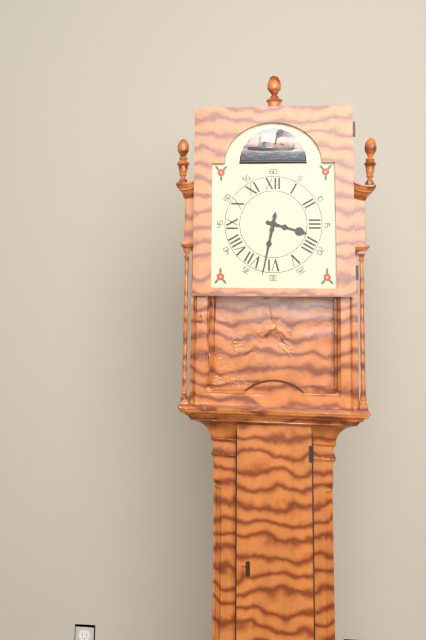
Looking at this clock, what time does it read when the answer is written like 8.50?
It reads 3.32
